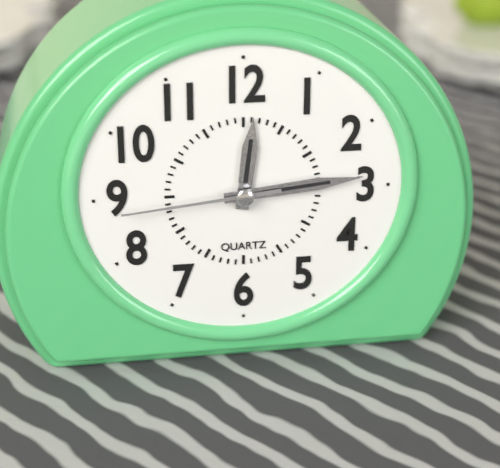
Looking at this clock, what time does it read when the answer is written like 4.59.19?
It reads 12.14.44
